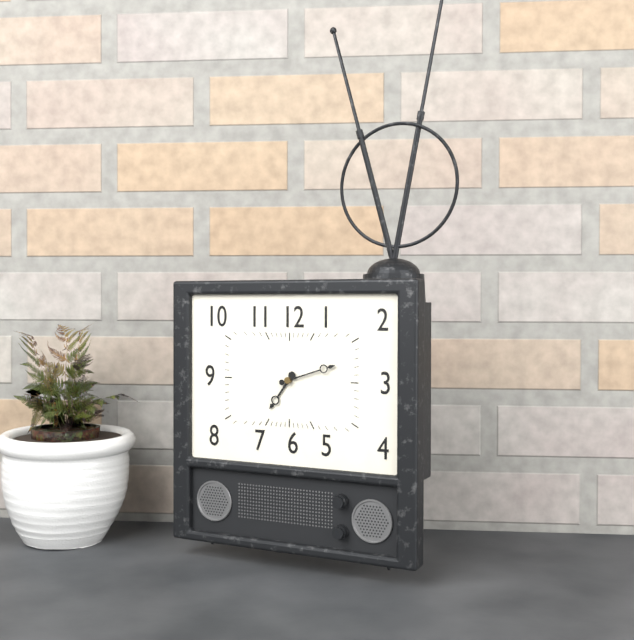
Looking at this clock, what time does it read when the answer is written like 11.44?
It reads 7.12
